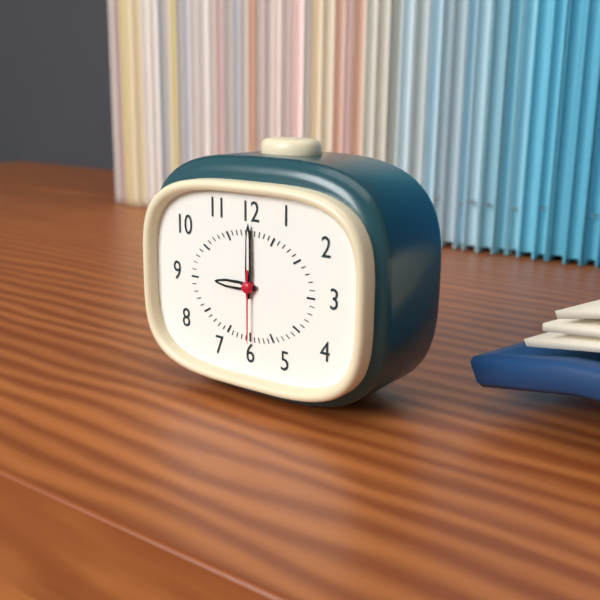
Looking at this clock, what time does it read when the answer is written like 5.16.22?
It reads 9.00.30
